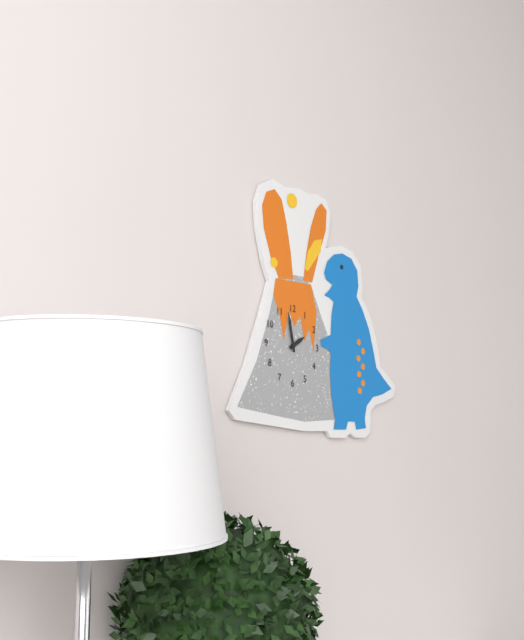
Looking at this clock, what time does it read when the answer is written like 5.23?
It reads 1.58
